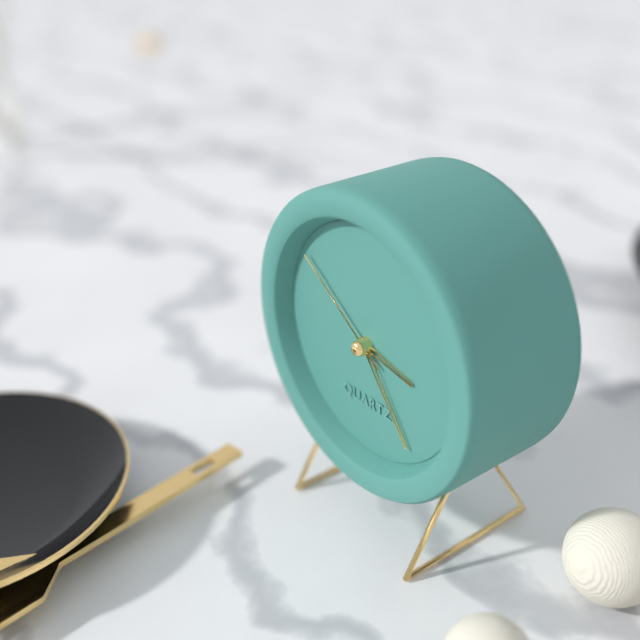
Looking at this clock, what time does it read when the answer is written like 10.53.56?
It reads 3.24.51
